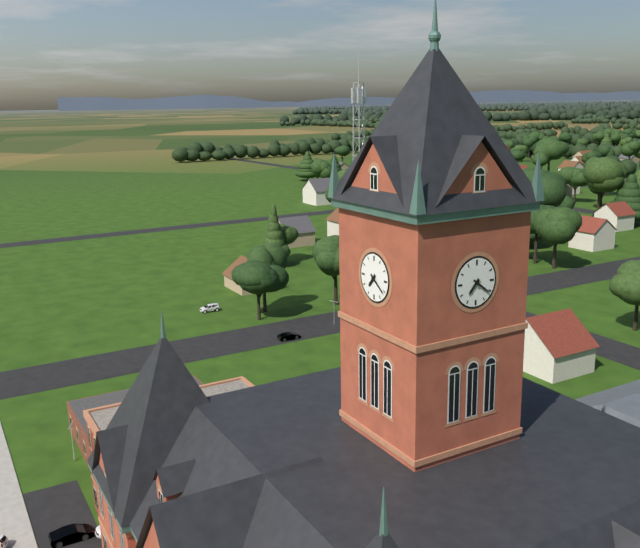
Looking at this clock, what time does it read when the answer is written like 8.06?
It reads 7.21
